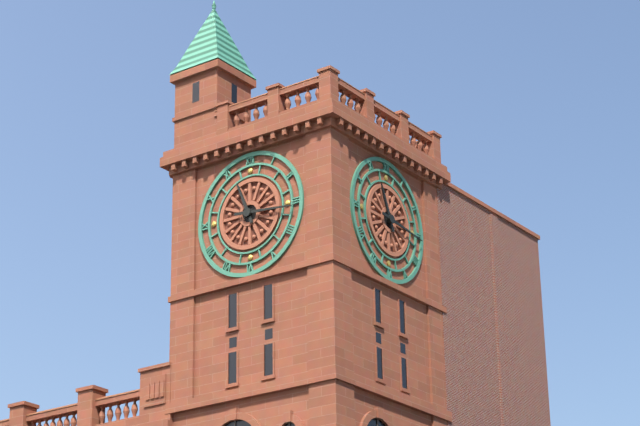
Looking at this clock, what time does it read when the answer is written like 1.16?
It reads 11.16
